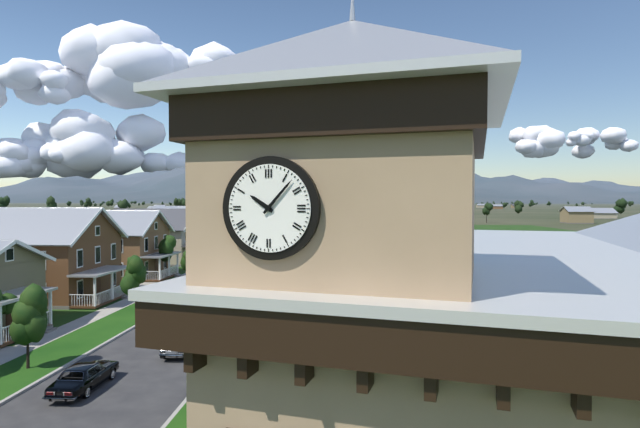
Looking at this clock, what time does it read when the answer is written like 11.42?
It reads 10.07
